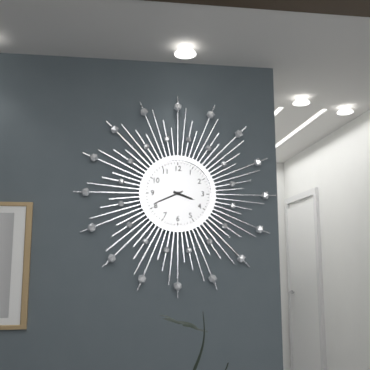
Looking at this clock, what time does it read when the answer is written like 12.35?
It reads 3.41
